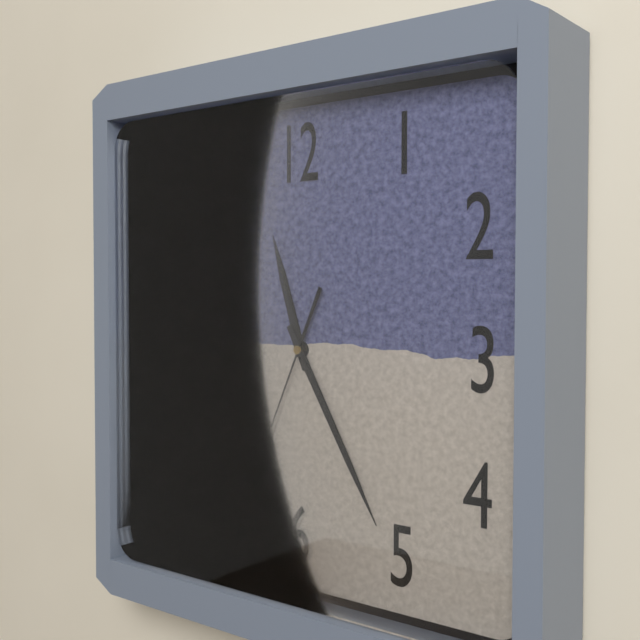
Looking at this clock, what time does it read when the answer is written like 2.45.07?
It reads 11.25.34
